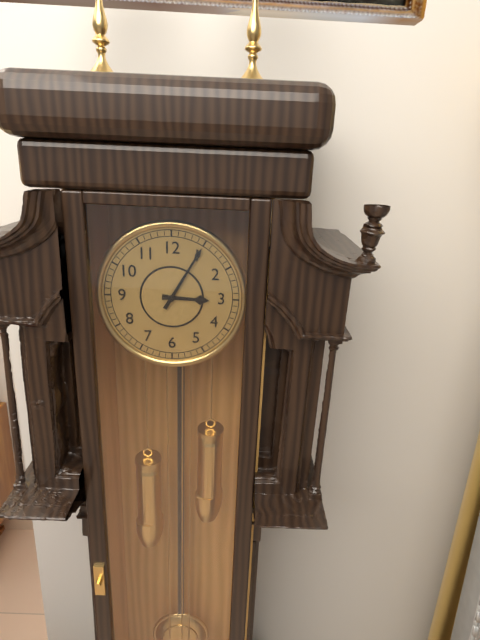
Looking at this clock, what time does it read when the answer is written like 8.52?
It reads 3.05
